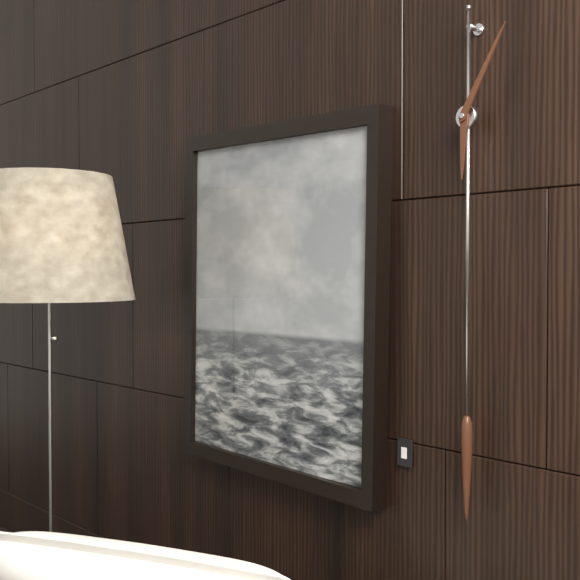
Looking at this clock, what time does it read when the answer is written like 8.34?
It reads 6.05
